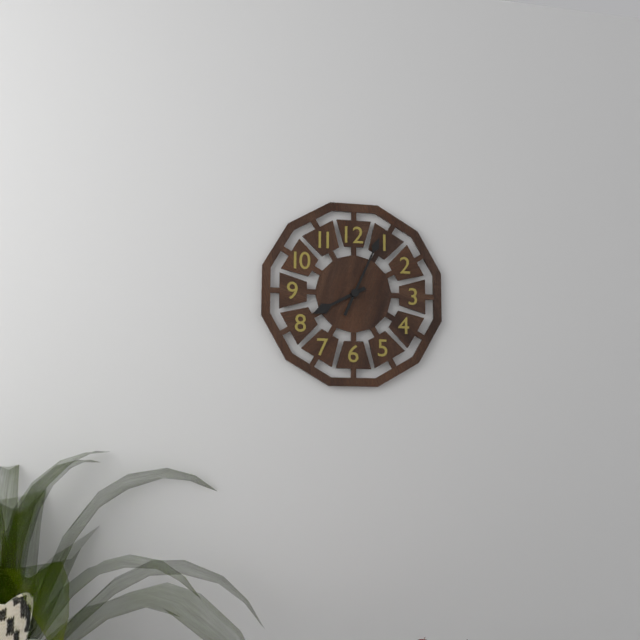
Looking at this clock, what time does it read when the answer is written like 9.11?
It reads 8.04
